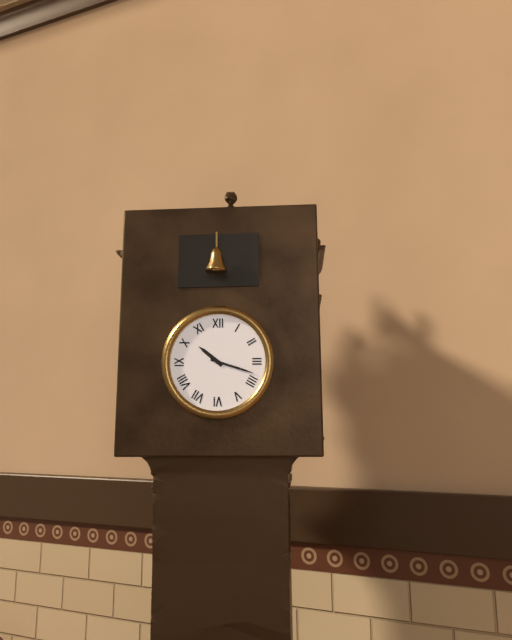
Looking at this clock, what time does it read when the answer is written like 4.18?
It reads 10.18
